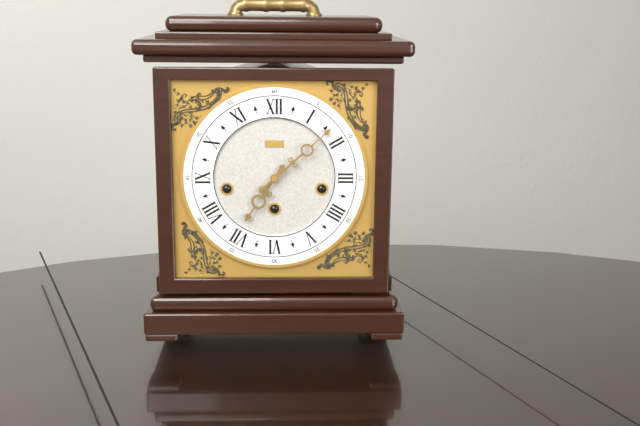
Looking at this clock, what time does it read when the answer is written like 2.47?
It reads 7.08
